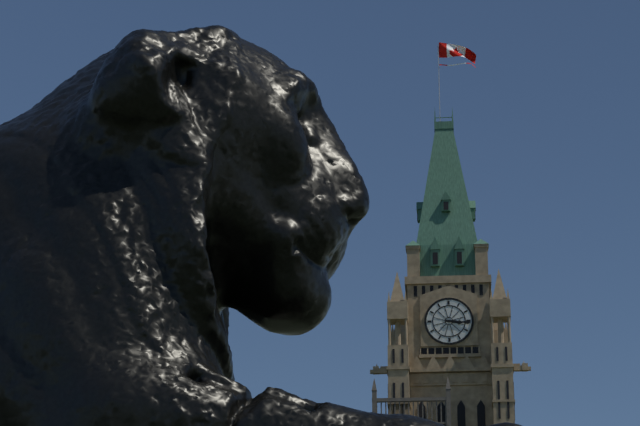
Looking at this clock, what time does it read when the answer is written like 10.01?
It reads 3.16
